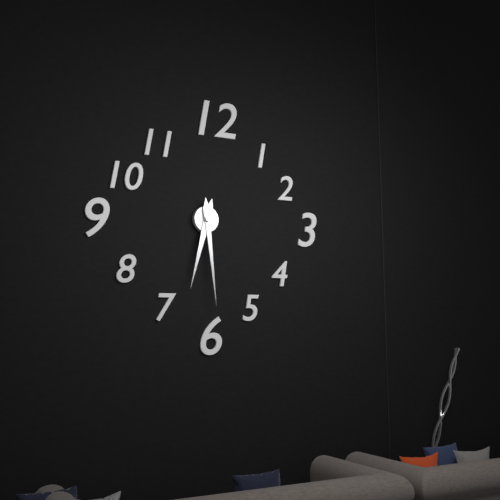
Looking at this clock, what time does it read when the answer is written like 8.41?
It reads 6.29
